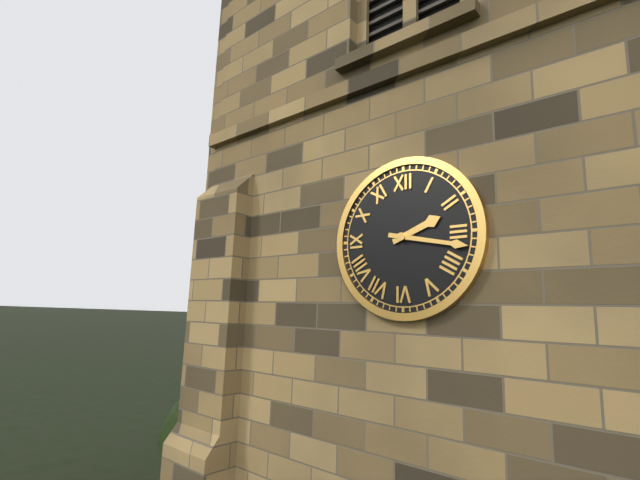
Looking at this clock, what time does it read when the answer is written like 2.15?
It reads 2.17
